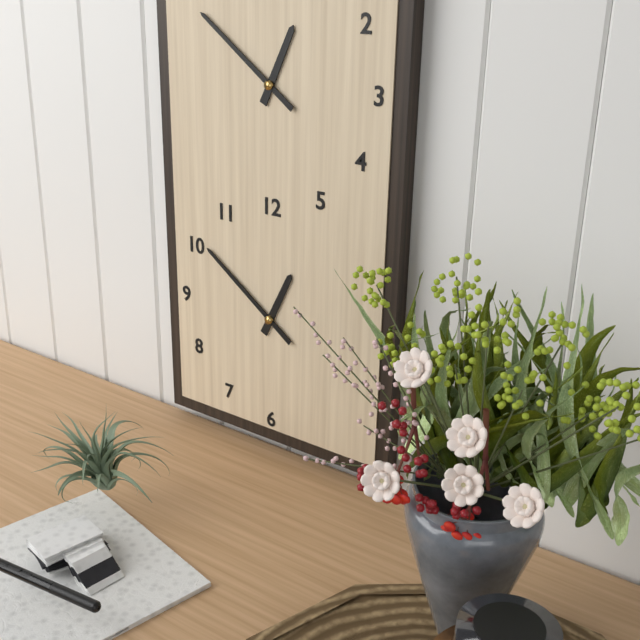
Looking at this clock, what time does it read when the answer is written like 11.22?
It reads 12.51
